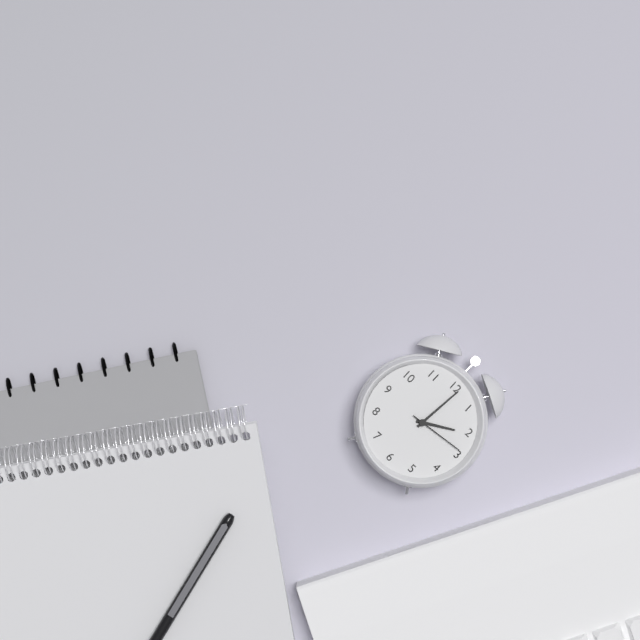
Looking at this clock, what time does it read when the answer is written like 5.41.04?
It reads 2.01.14
